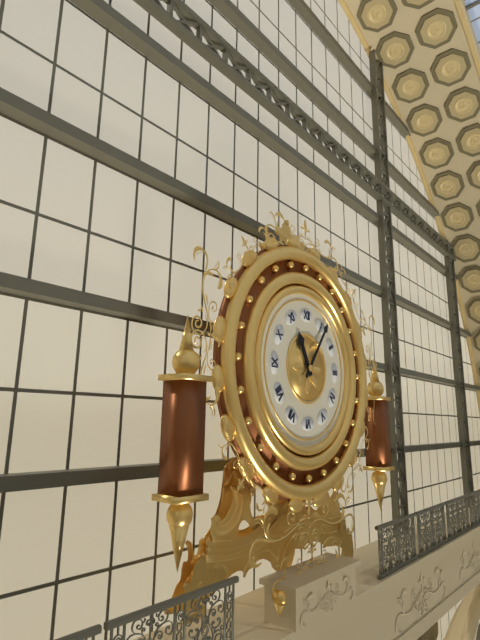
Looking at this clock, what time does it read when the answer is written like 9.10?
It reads 11.06
